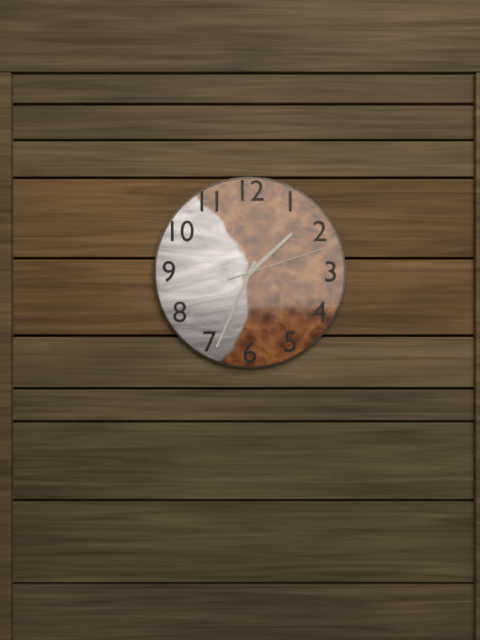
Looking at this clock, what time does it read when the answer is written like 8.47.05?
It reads 1.34.12
